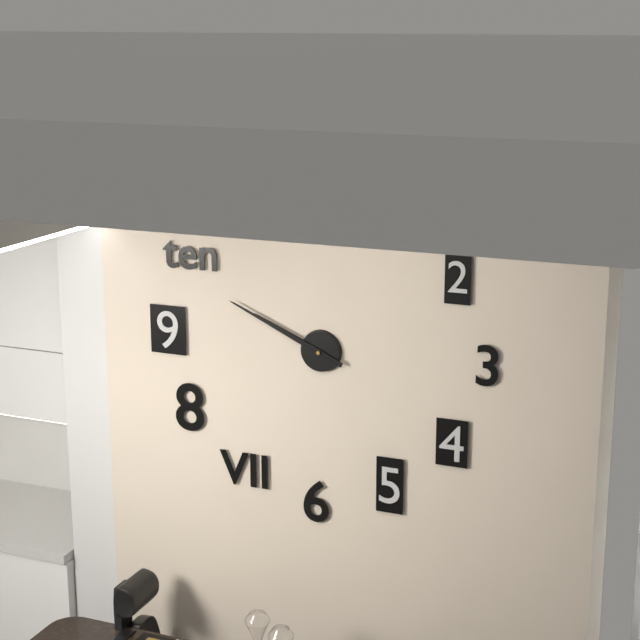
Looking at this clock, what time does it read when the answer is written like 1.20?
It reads 9.49
